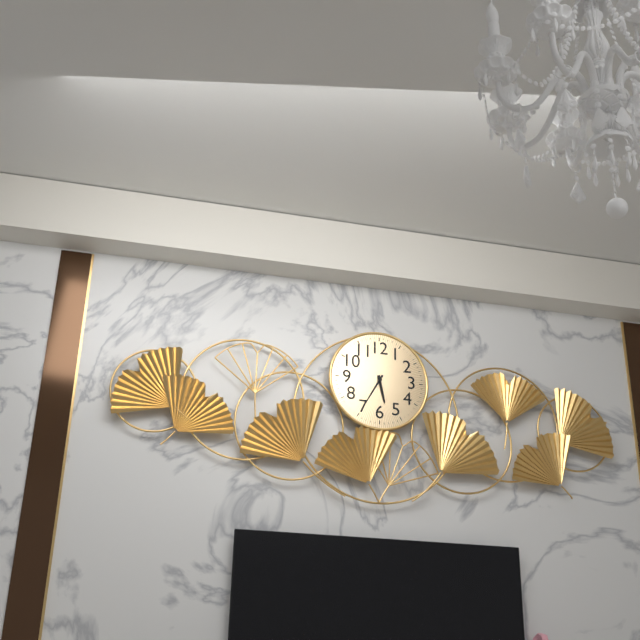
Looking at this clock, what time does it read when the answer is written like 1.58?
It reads 5.35
